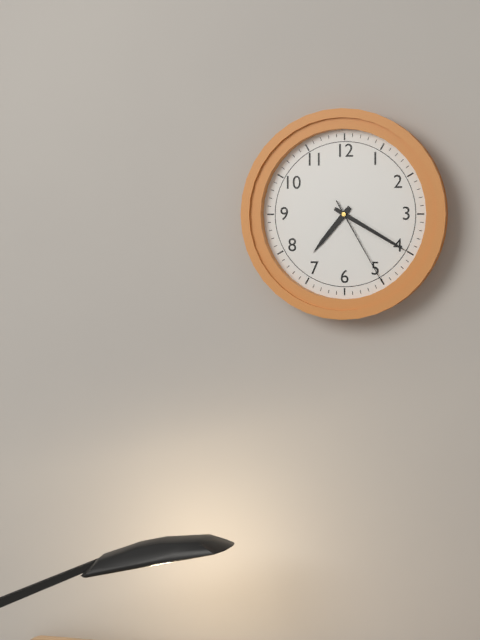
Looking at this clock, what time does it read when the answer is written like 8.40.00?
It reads 7.20.25
